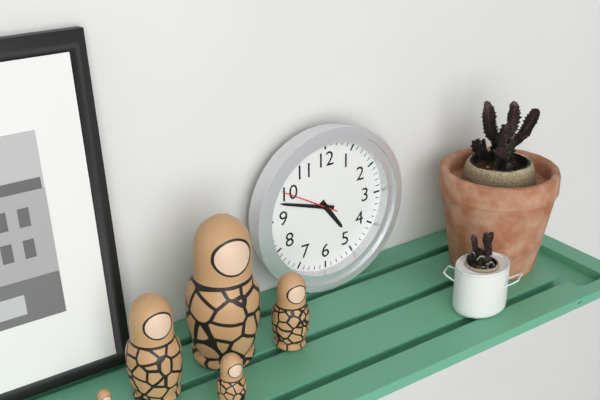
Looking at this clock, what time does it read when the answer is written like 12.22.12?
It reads 4.48.50
